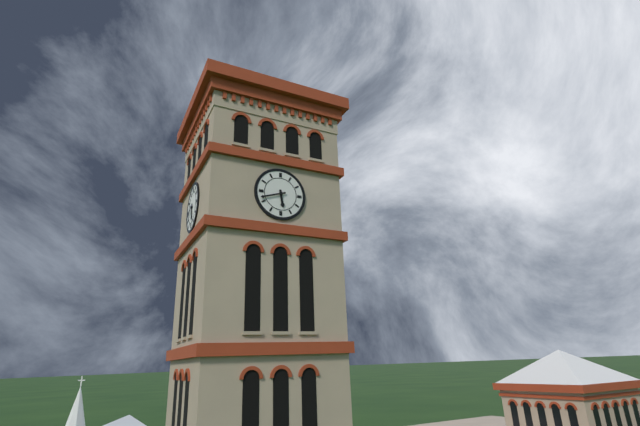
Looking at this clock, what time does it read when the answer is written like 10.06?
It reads 5.42
